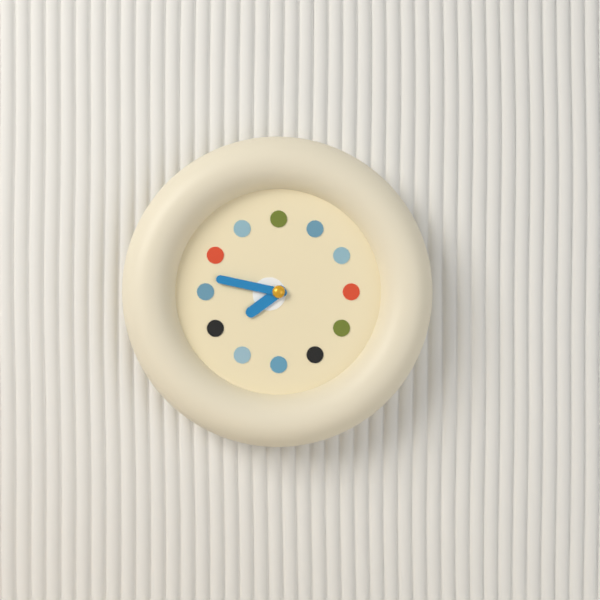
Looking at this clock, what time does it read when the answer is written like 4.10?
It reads 7.47
